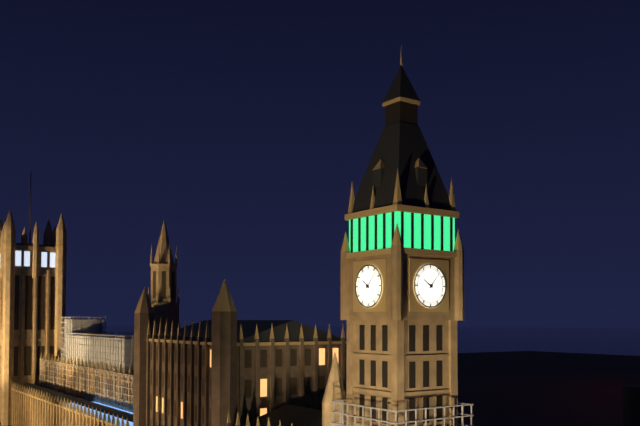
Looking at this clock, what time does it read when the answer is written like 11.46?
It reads 10.07
